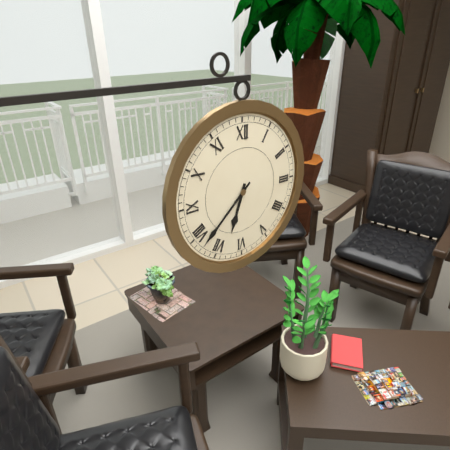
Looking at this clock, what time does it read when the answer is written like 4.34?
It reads 6.38
